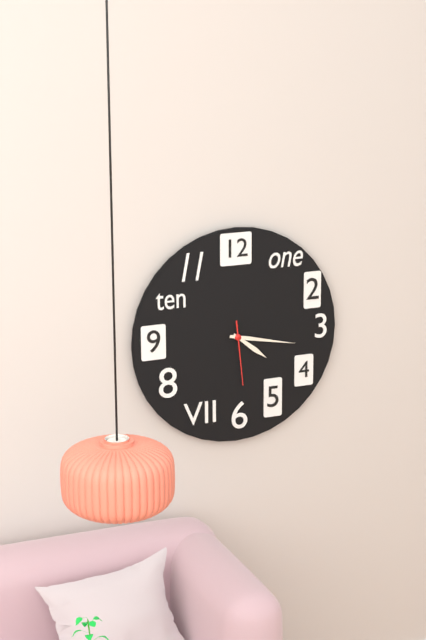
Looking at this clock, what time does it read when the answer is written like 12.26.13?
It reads 4.17.29
